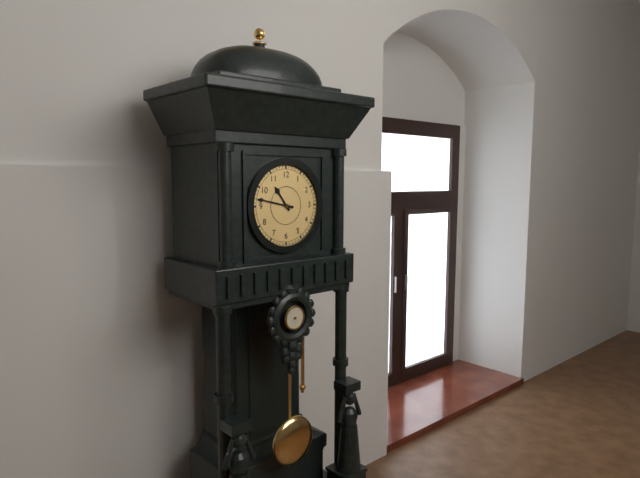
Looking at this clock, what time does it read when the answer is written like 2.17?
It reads 10.47
